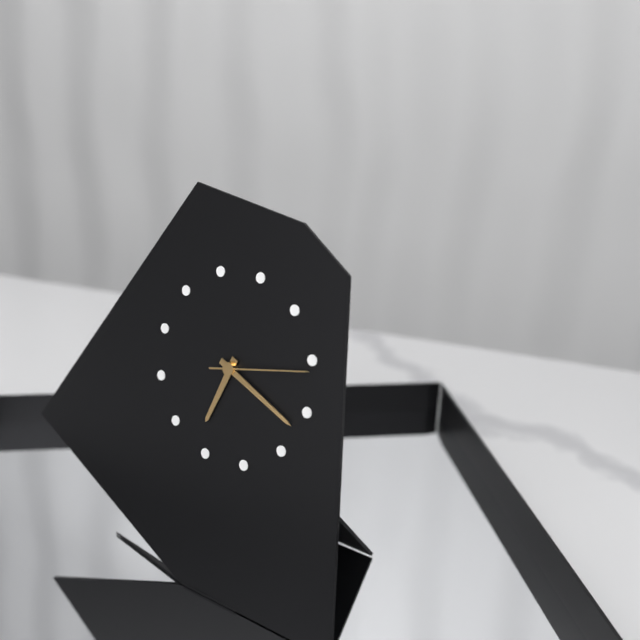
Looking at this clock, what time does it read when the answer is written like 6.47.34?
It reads 6.17.11
